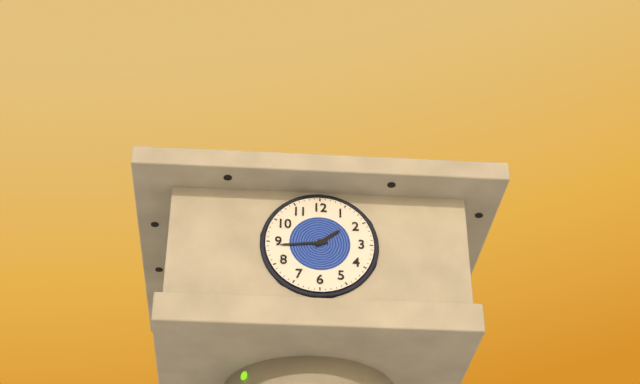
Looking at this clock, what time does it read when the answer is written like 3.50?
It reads 1.44
